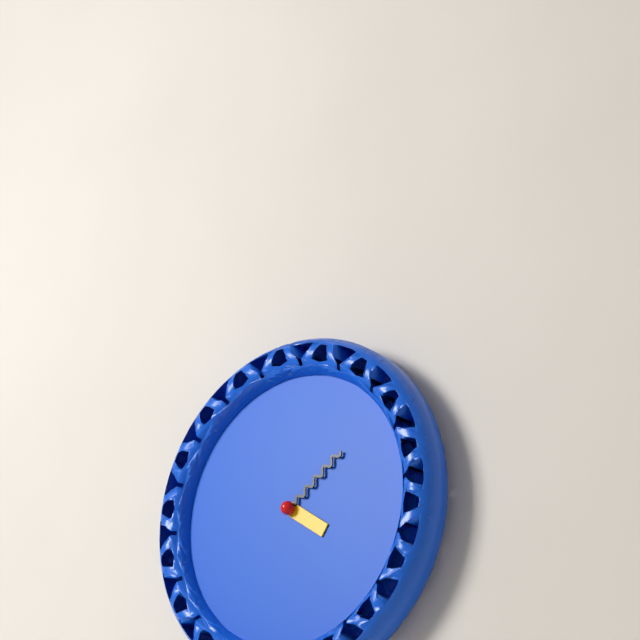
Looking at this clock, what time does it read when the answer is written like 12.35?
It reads 4.09
